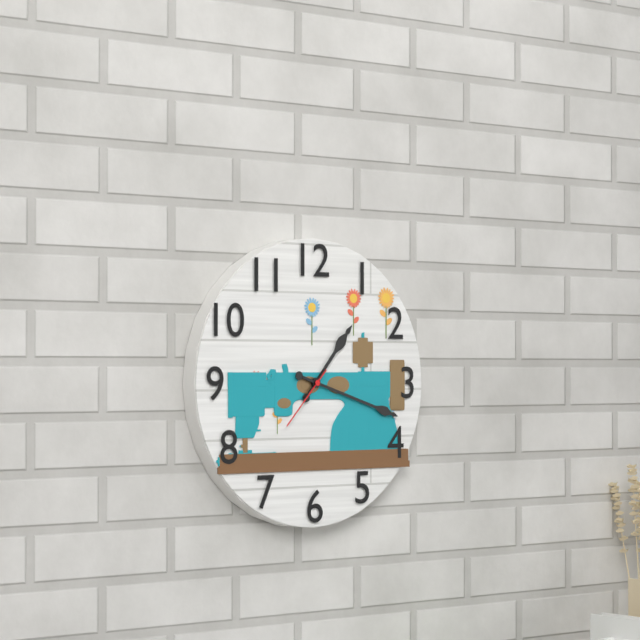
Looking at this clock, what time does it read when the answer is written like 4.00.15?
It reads 1.18.37
